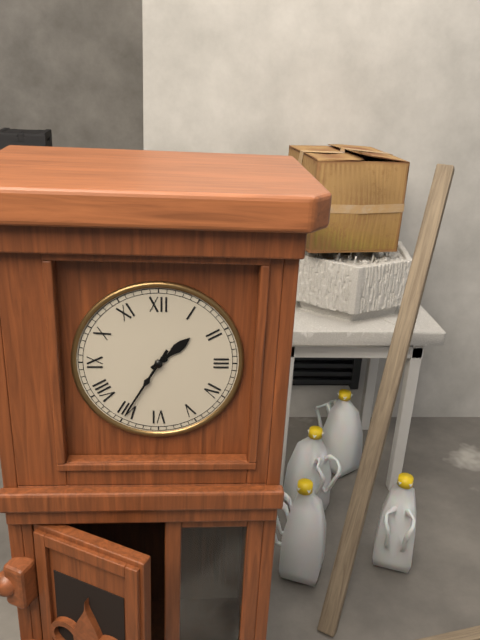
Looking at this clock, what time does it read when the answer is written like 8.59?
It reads 1.35
